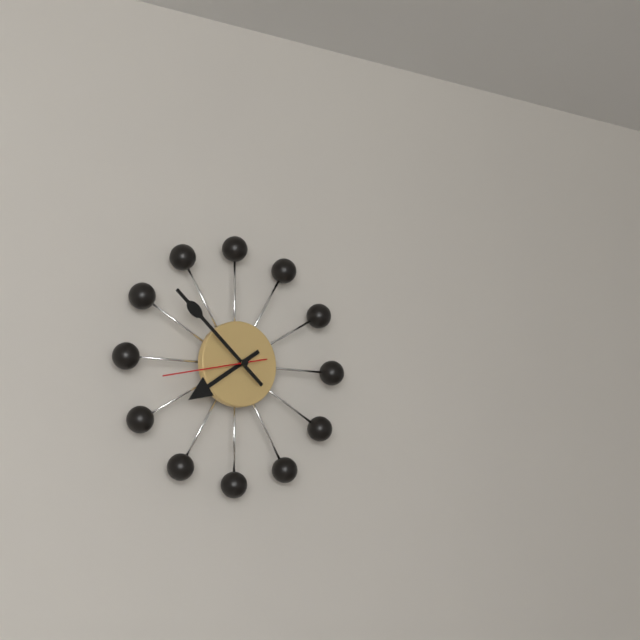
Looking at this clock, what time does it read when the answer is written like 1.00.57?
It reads 7.52.43
